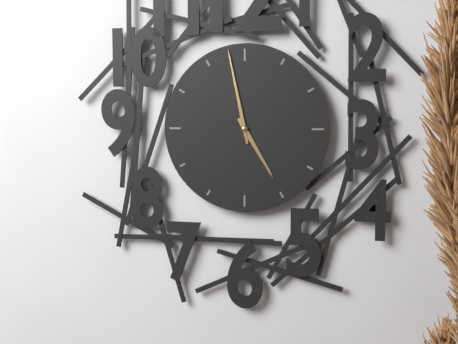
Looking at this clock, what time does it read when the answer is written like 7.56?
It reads 4.58
